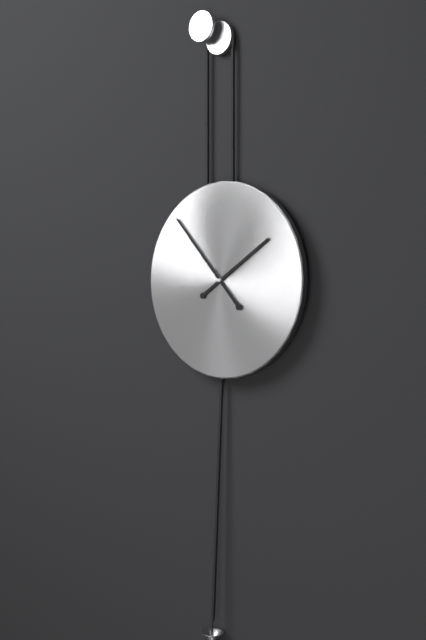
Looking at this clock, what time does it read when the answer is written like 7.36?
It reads 1.53
